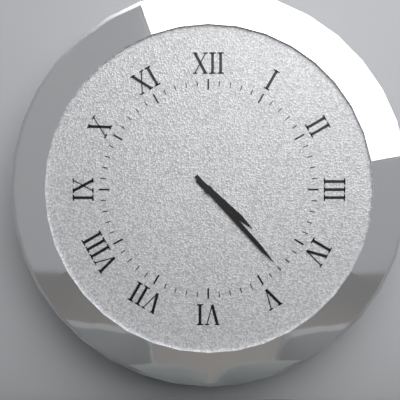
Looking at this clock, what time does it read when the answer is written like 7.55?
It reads 4.23
